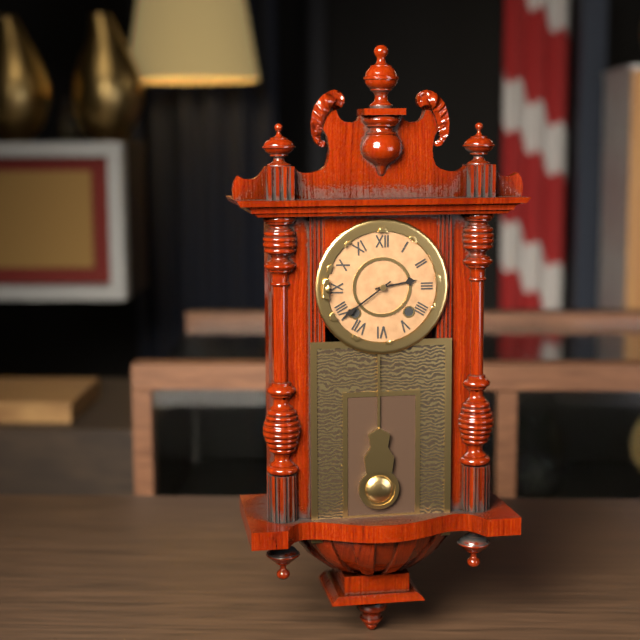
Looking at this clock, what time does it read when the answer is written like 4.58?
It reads 2.39
